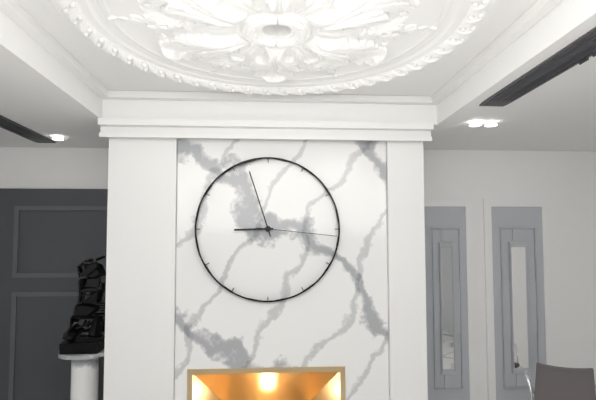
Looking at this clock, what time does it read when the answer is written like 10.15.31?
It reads 8.57.16
